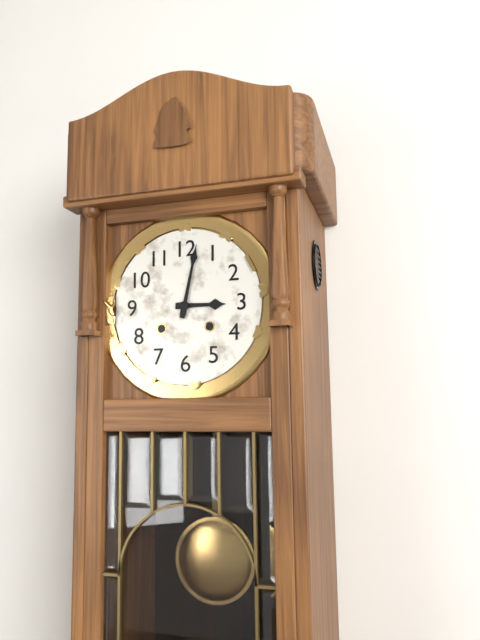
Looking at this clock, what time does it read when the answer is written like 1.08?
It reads 3.02
